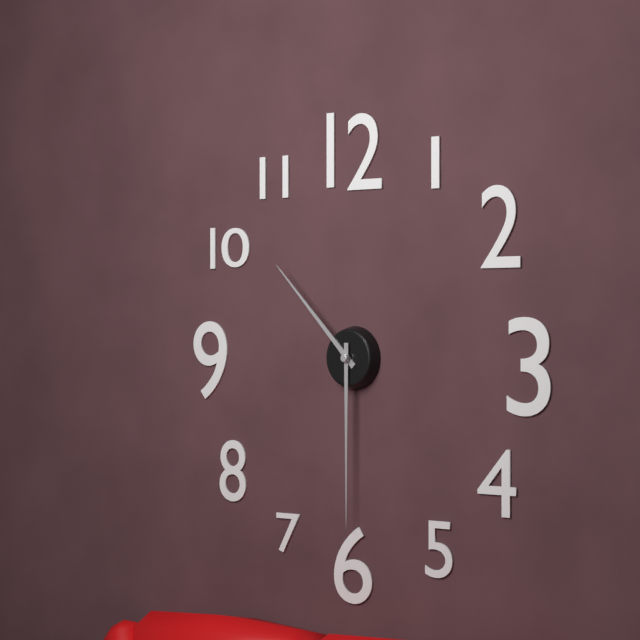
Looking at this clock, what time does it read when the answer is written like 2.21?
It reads 10.30
